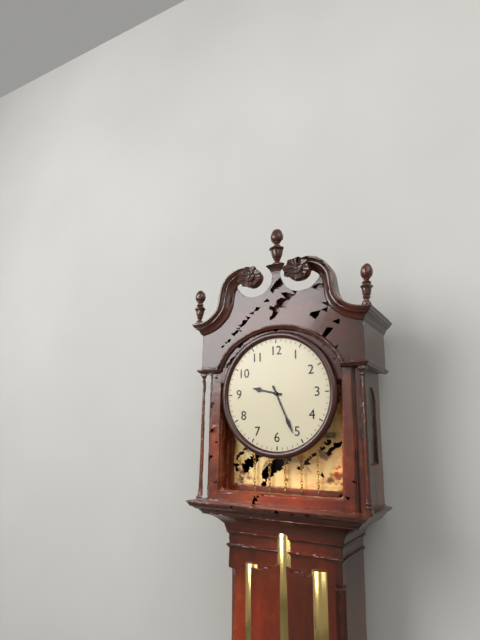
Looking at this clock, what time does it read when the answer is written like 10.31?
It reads 9.26
